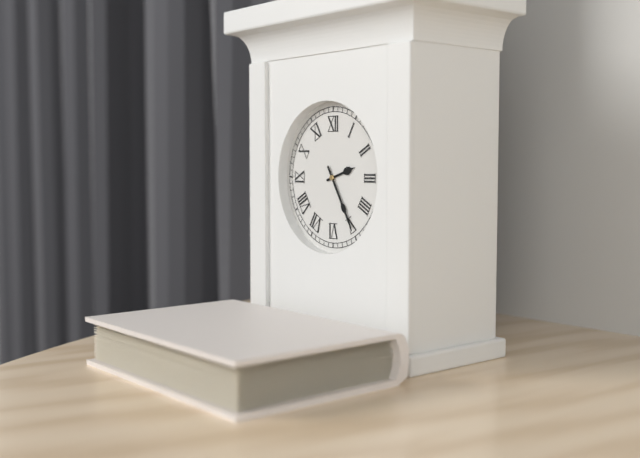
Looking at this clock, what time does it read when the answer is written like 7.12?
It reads 2.25
